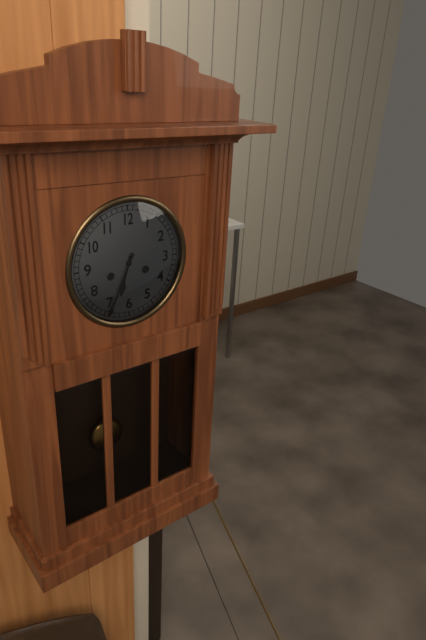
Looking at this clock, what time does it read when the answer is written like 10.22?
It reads 6.34
